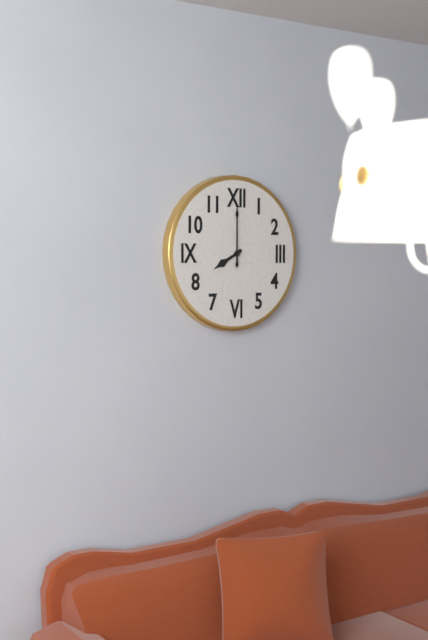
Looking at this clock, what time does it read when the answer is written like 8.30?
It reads 8.00
